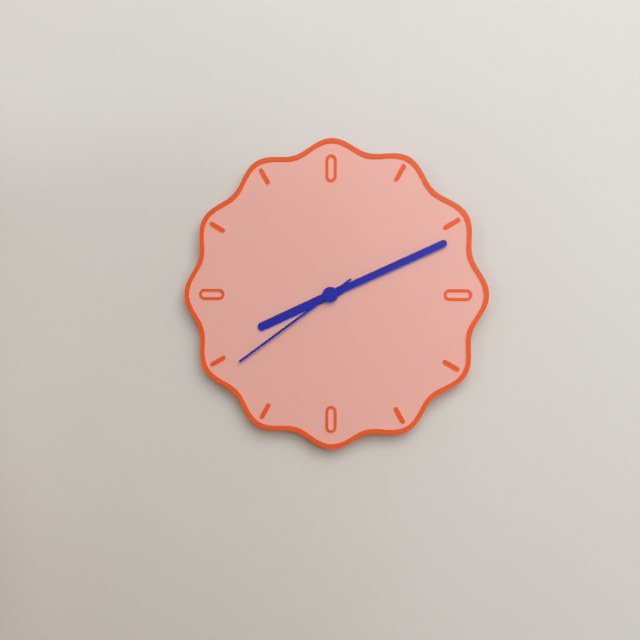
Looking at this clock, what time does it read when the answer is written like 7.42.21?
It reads 8.11.39
